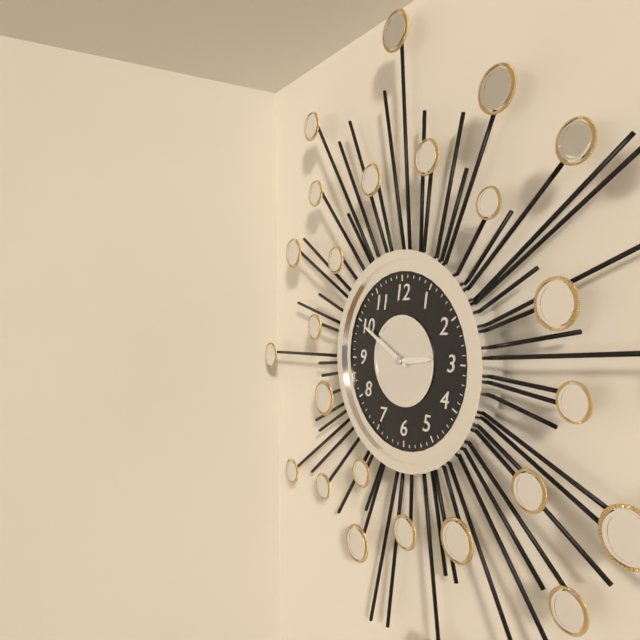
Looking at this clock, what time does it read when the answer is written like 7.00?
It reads 2.50
